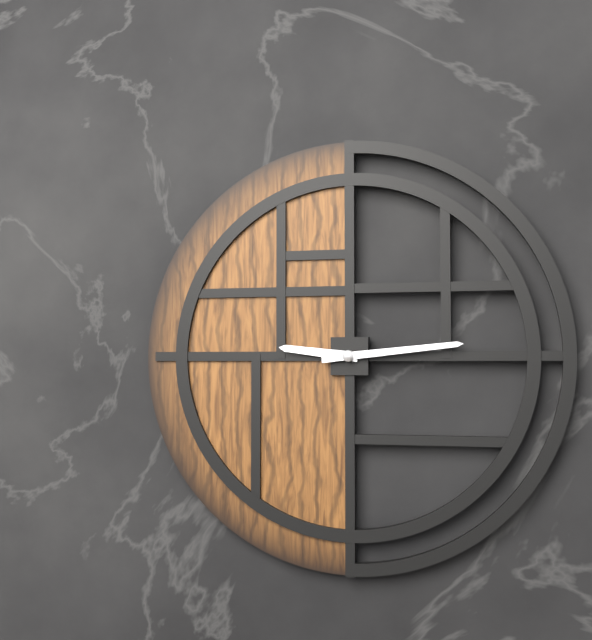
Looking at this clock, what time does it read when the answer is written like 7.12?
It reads 9.14
